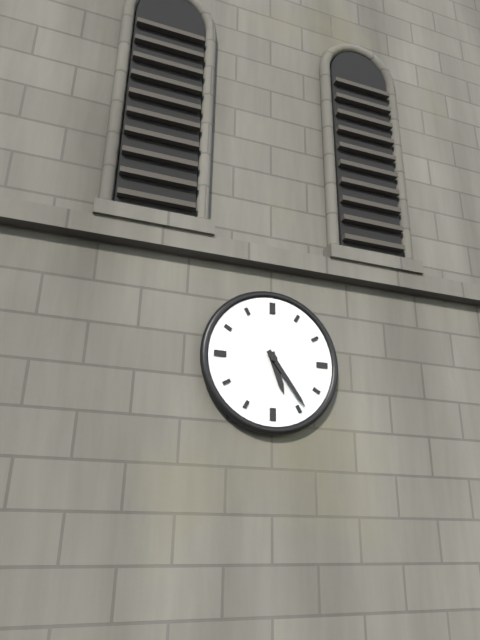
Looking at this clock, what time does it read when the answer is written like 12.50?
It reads 5.24
